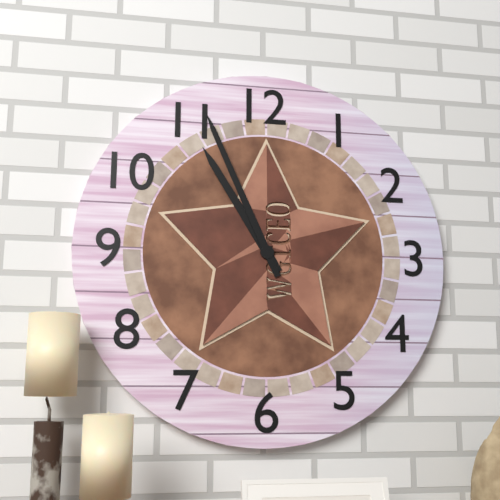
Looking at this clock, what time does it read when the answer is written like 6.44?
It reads 10.56
